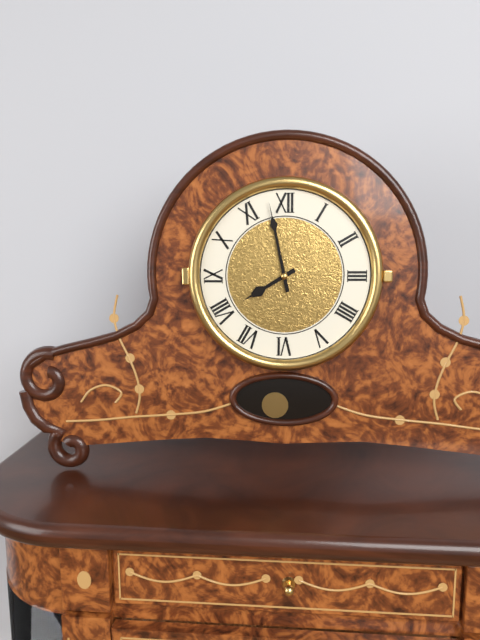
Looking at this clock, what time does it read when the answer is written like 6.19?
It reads 7.58
